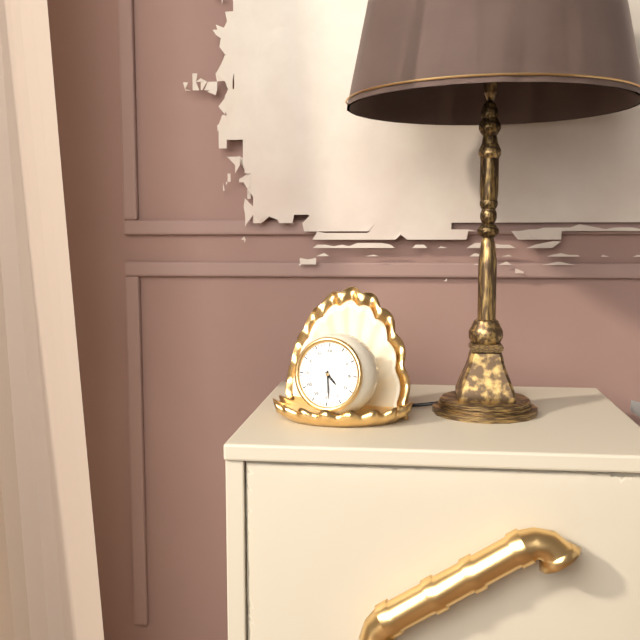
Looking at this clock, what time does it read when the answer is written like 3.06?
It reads 4.29
